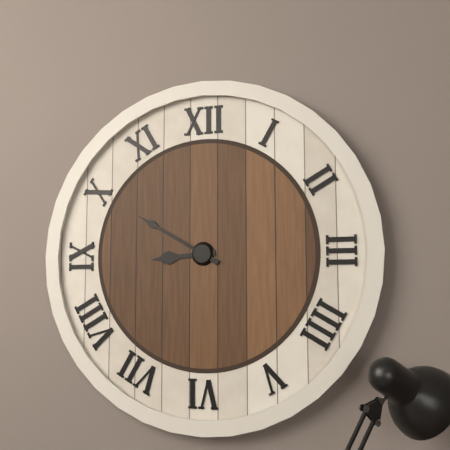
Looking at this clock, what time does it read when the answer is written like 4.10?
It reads 8.50
